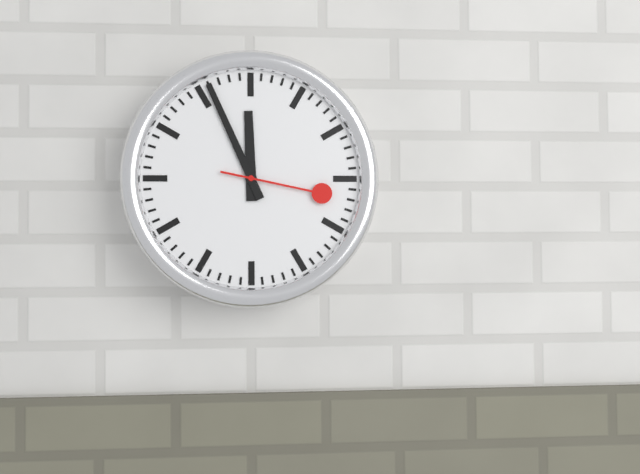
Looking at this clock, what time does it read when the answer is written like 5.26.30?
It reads 11.56.17
